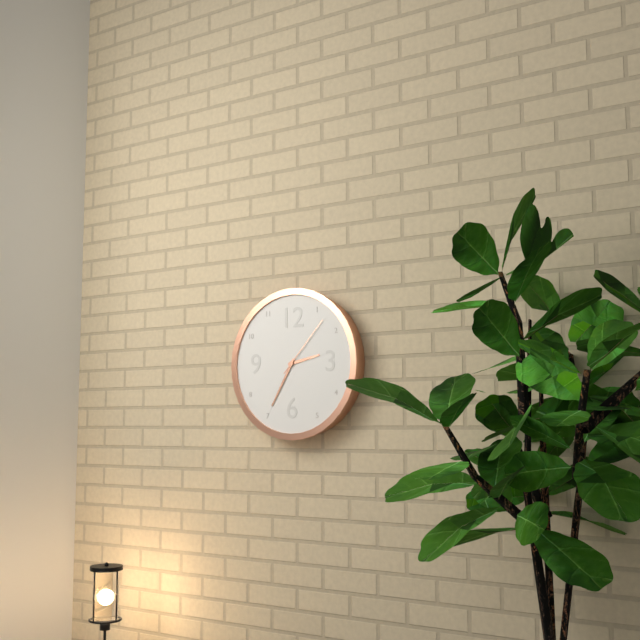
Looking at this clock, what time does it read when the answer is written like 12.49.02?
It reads 2.35.07
